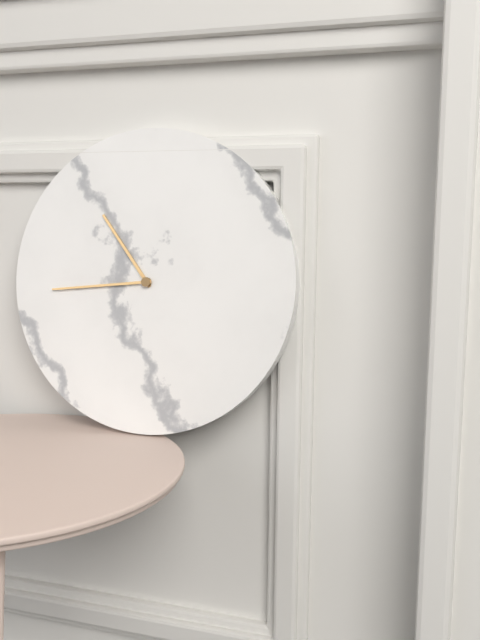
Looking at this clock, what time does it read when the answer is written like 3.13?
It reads 10.44
